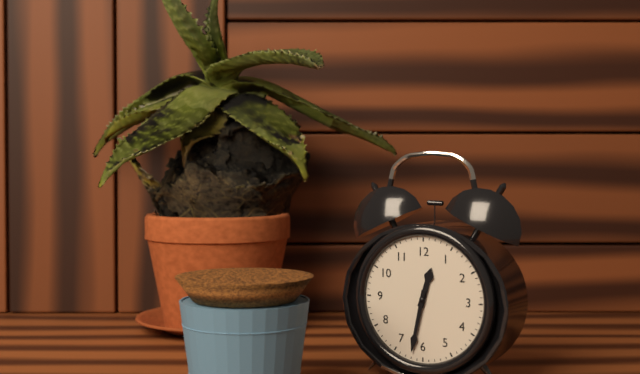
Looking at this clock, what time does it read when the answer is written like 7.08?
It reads 12.32
